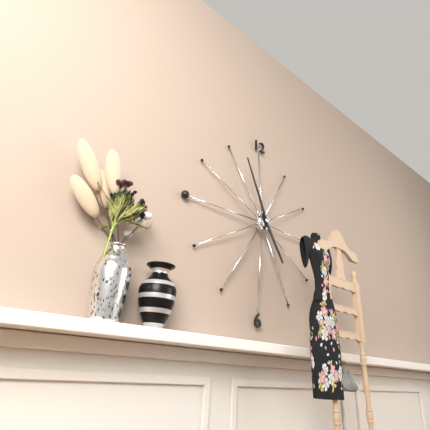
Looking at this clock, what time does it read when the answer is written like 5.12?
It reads 4.56
